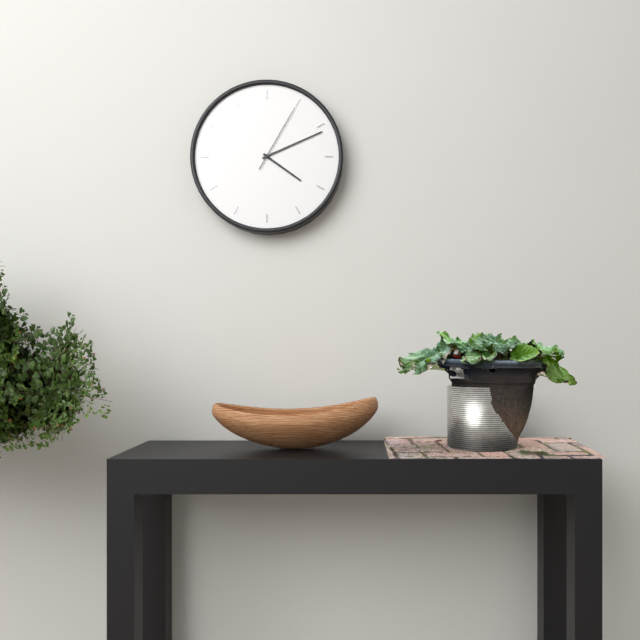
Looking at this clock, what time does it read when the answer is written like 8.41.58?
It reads 4.11.05
